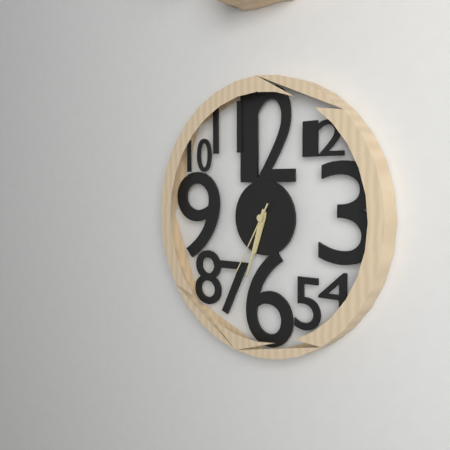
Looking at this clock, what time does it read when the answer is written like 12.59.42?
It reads 6.33.35
